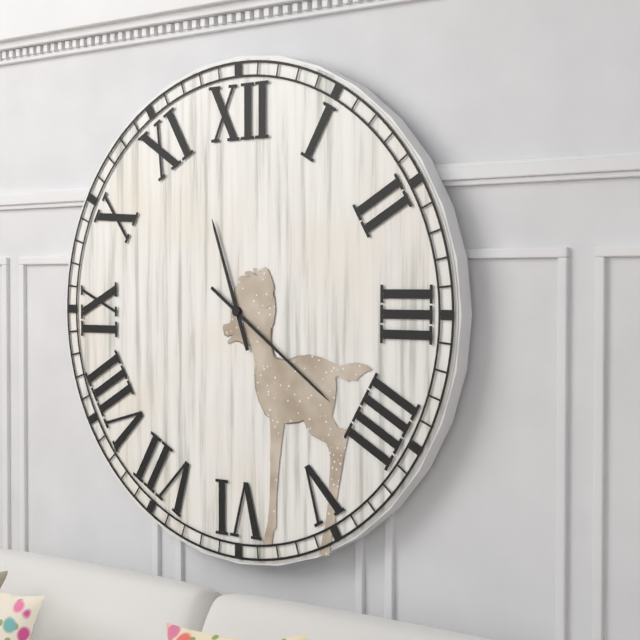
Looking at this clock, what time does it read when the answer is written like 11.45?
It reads 11.21
